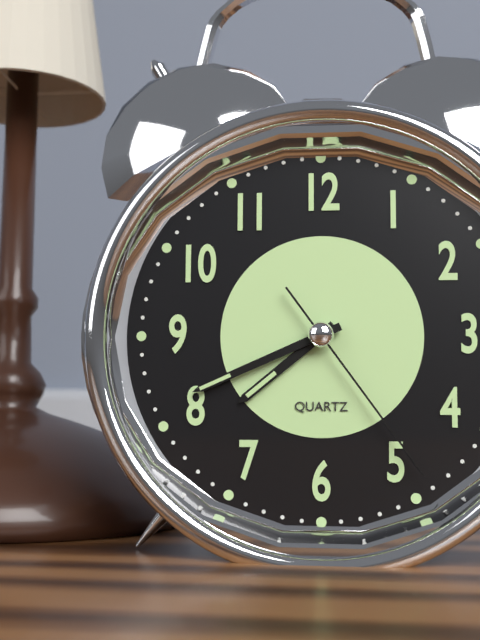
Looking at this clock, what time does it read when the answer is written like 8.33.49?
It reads 7.41.24
